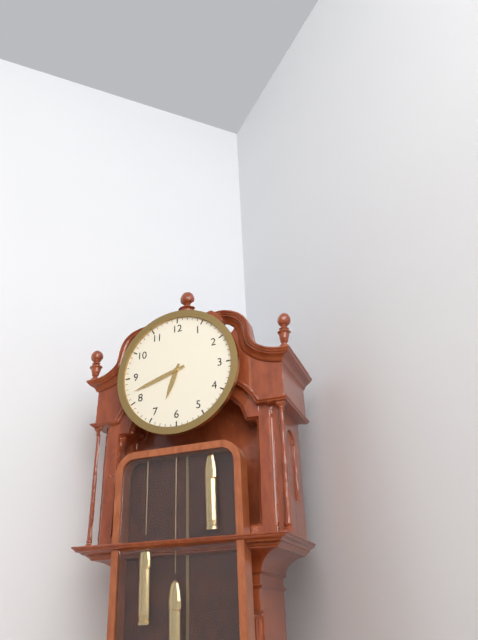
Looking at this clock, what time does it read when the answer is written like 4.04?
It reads 6.42
